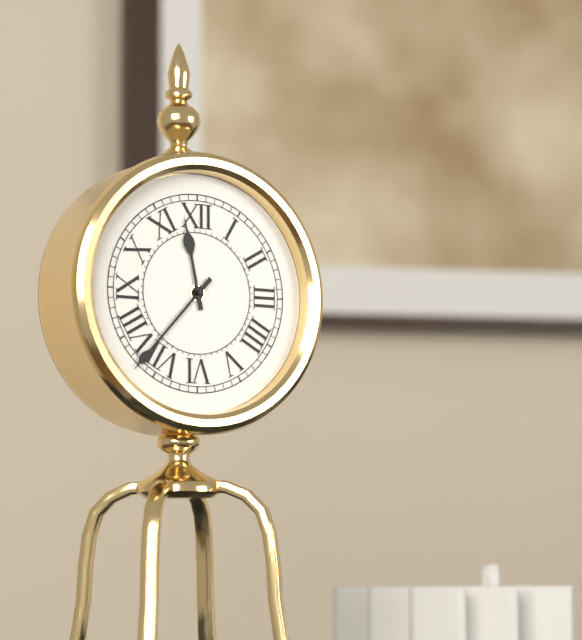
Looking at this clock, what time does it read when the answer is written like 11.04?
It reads 11.37
